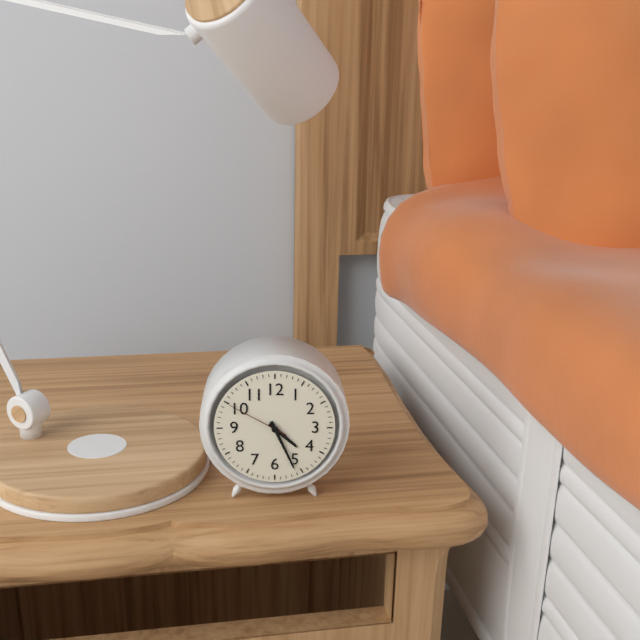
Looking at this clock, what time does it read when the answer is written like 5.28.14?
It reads 4.26.50
